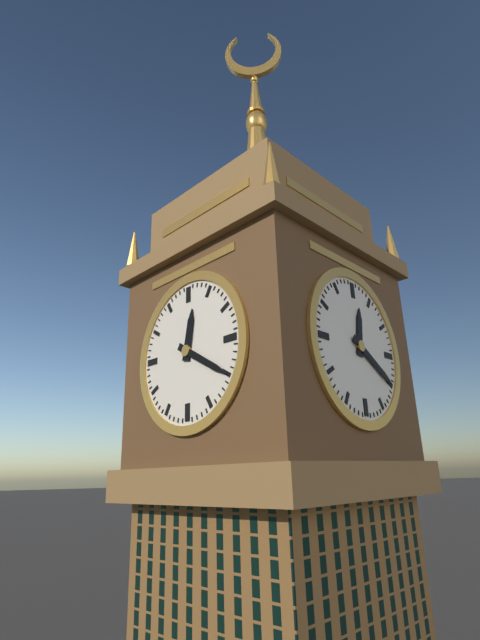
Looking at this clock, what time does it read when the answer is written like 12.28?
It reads 12.20
